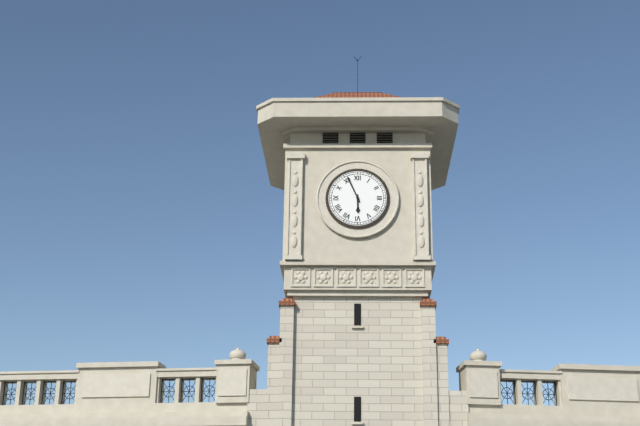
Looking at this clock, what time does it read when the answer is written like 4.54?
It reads 5.56
